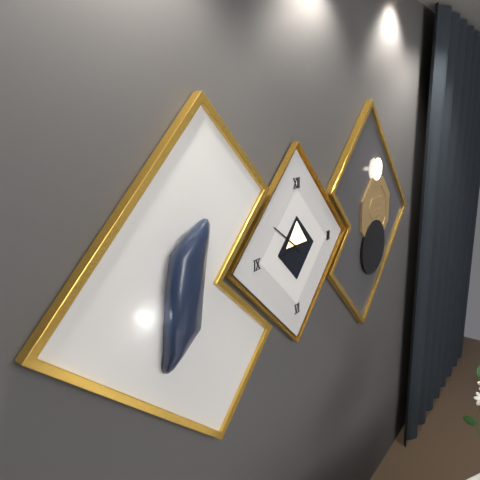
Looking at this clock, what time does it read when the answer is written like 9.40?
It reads 8.51
